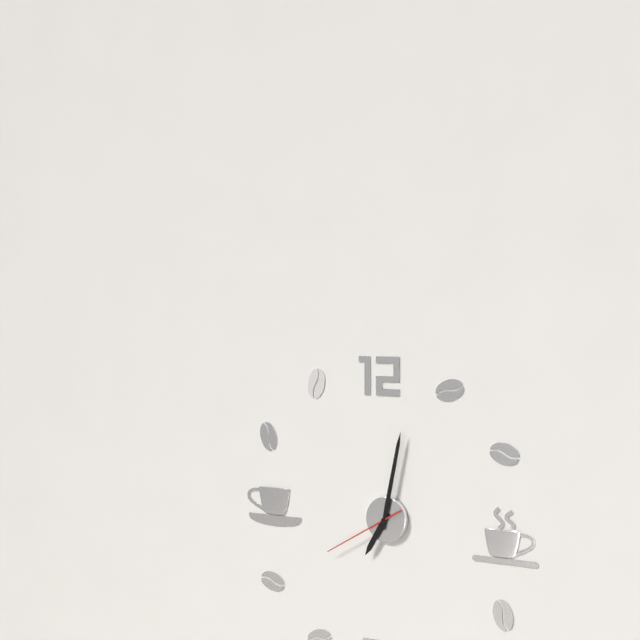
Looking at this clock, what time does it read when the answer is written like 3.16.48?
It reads 7.02.40
